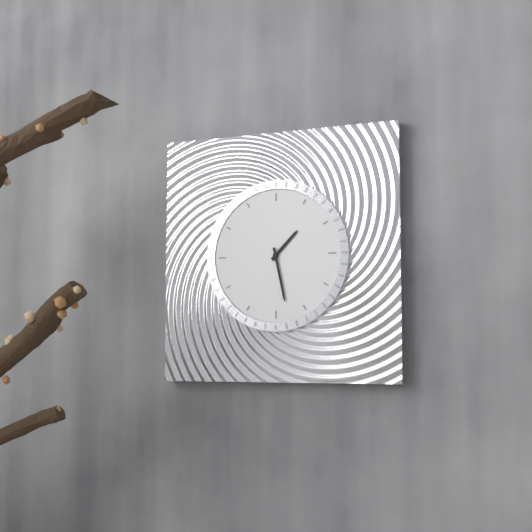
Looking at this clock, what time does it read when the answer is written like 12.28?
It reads 1.28
